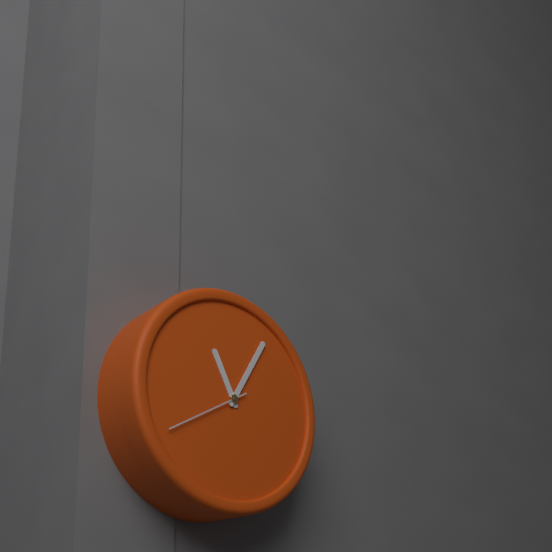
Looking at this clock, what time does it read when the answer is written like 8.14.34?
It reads 11.05.40
